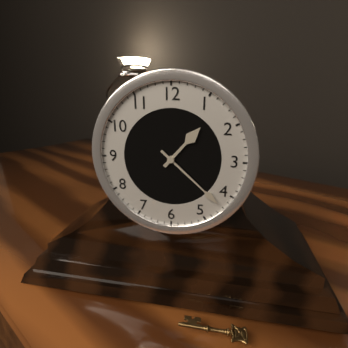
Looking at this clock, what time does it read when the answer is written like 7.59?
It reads 1.22
